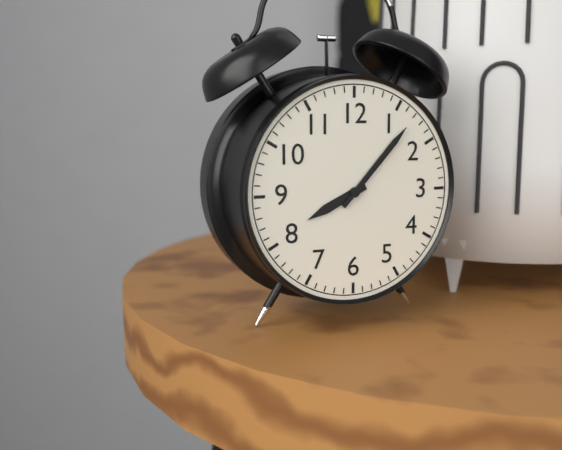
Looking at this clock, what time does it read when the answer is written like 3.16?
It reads 8.07
